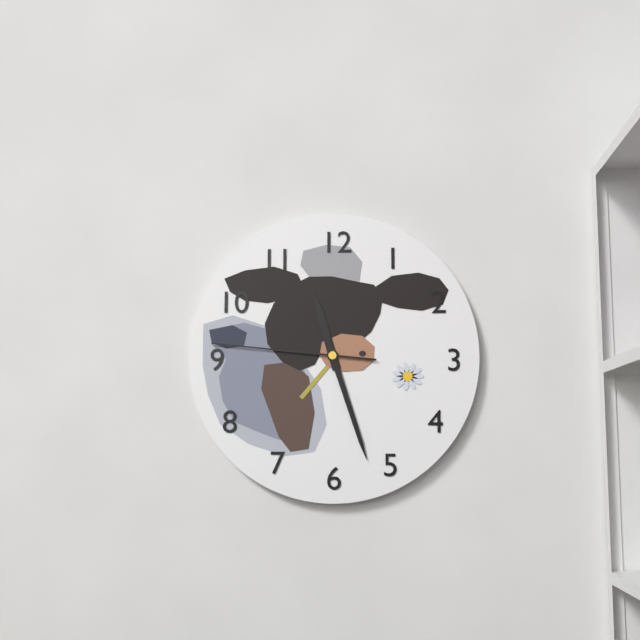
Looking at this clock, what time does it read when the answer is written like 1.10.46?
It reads 11.27.46
